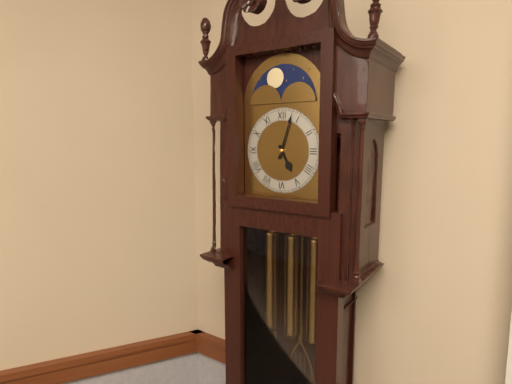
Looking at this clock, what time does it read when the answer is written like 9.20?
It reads 5.03
